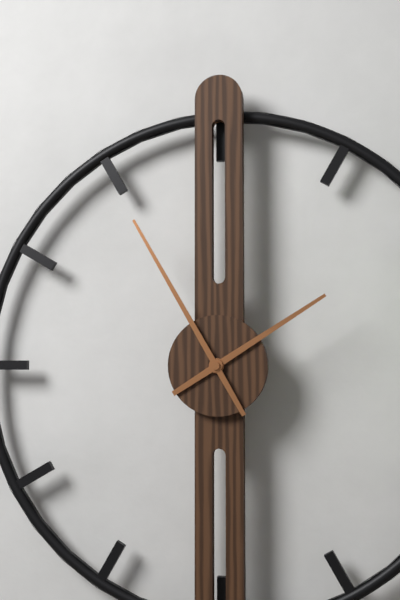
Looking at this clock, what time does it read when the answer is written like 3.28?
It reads 1.55
